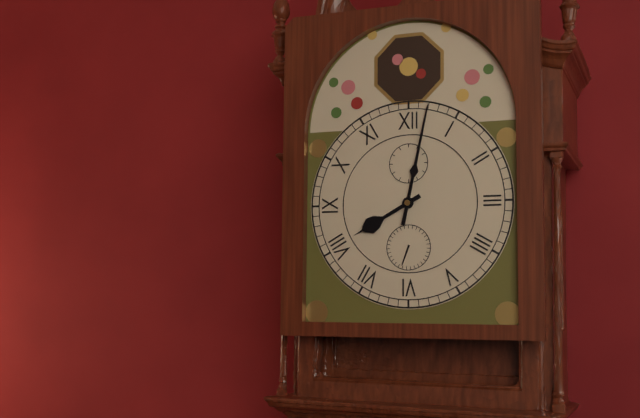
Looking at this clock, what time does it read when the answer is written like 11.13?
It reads 8.02
